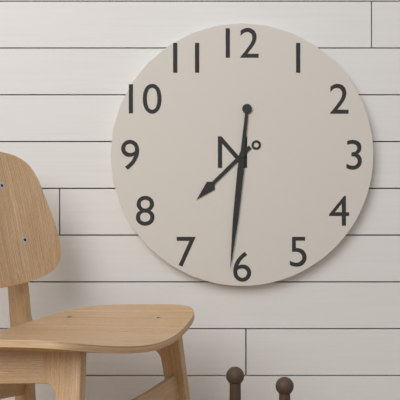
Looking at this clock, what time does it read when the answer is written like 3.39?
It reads 7.31
